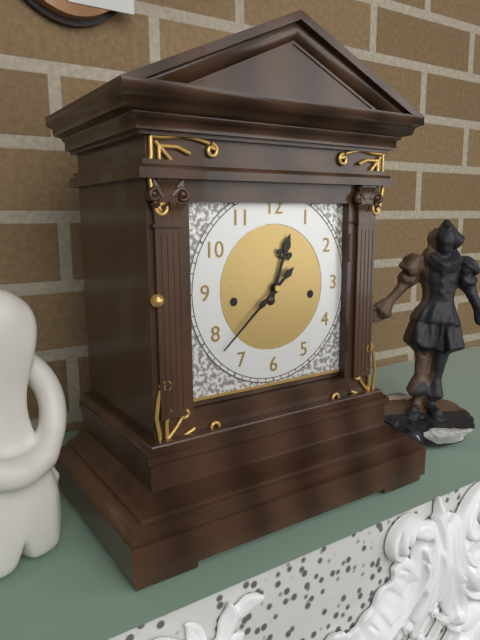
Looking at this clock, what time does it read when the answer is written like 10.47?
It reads 12.38
